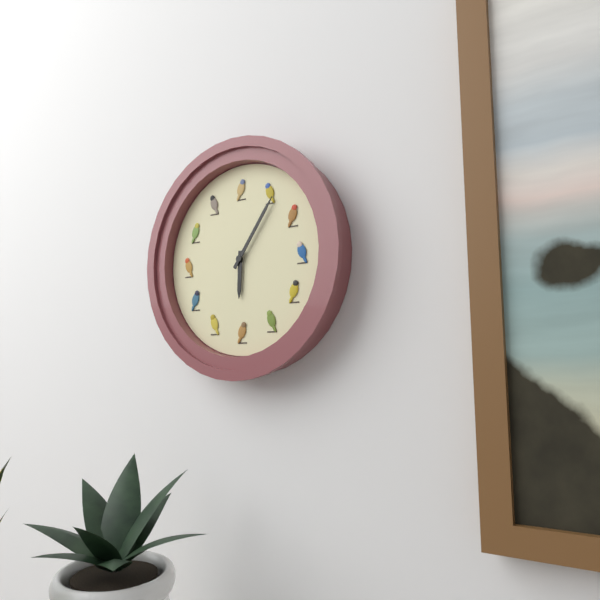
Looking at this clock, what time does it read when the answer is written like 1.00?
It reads 6.06
